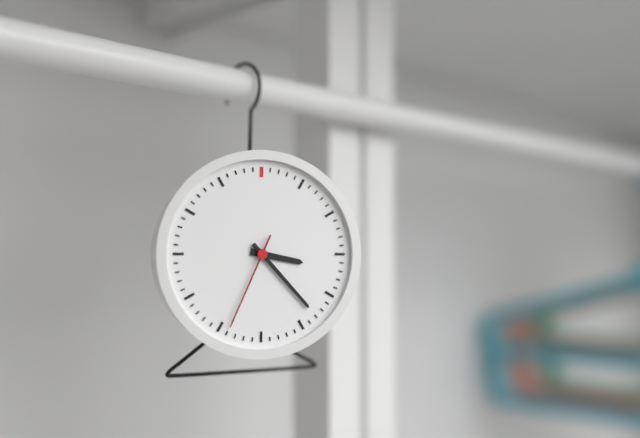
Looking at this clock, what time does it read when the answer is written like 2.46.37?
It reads 3.23.34
